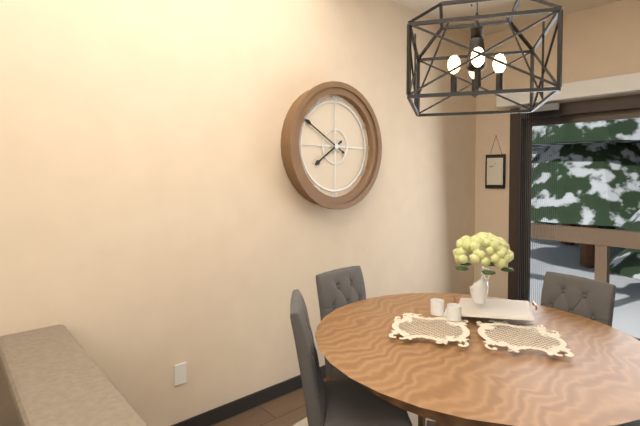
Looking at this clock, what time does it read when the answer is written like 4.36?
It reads 7.50
